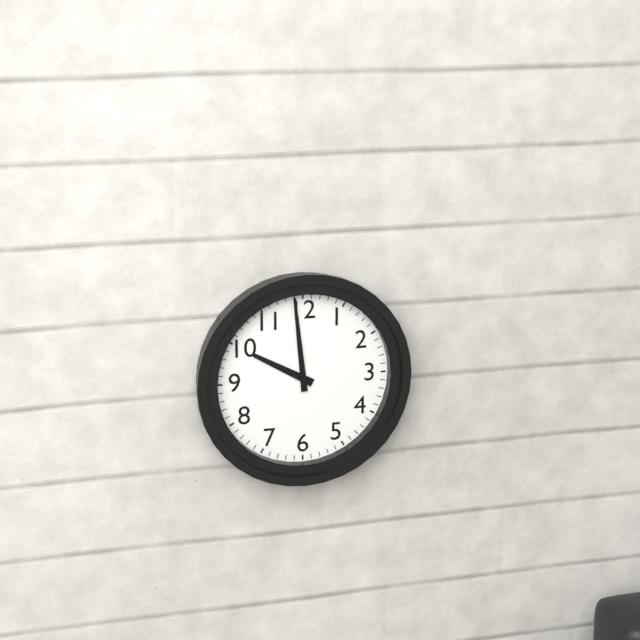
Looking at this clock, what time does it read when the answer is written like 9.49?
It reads 9.59
